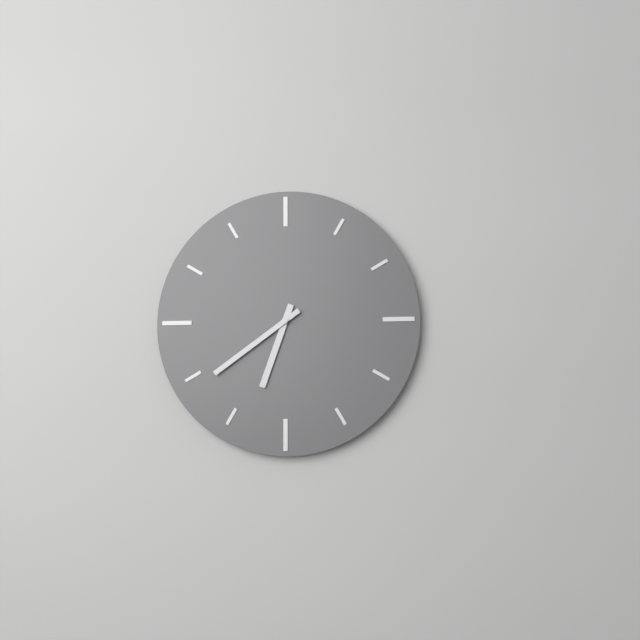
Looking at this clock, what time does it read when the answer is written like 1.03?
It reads 6.39
